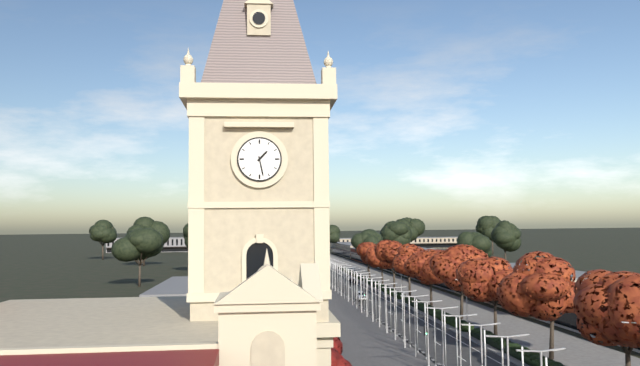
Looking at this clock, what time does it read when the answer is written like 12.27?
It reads 1.28
